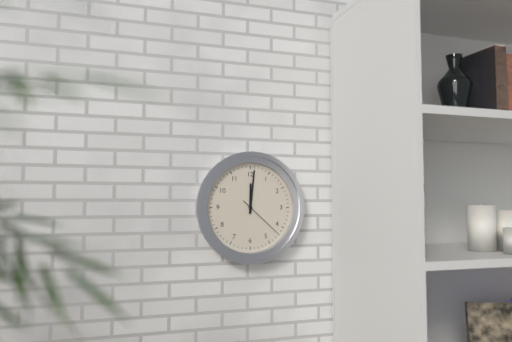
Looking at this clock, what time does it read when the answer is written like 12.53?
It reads 12.01
